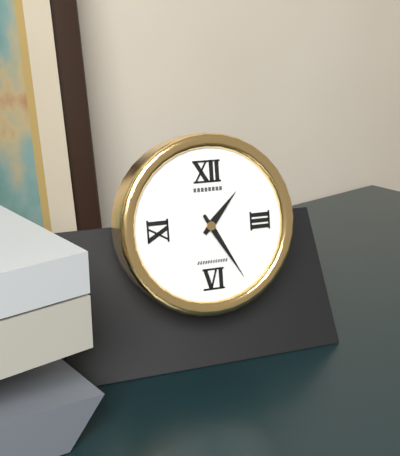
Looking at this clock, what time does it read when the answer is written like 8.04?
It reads 1.25
